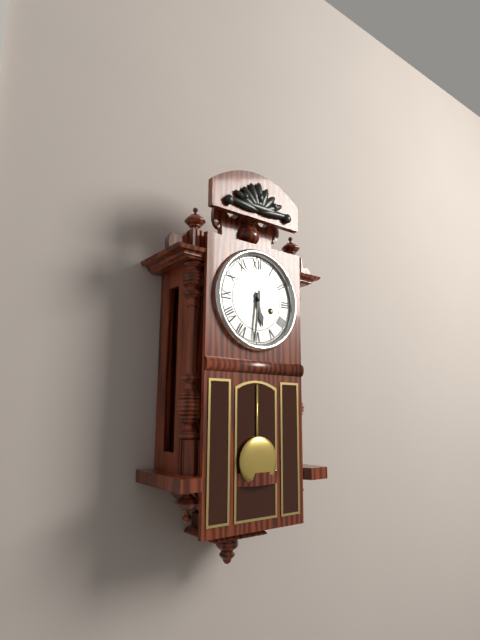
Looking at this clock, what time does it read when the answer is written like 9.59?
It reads 5.31
